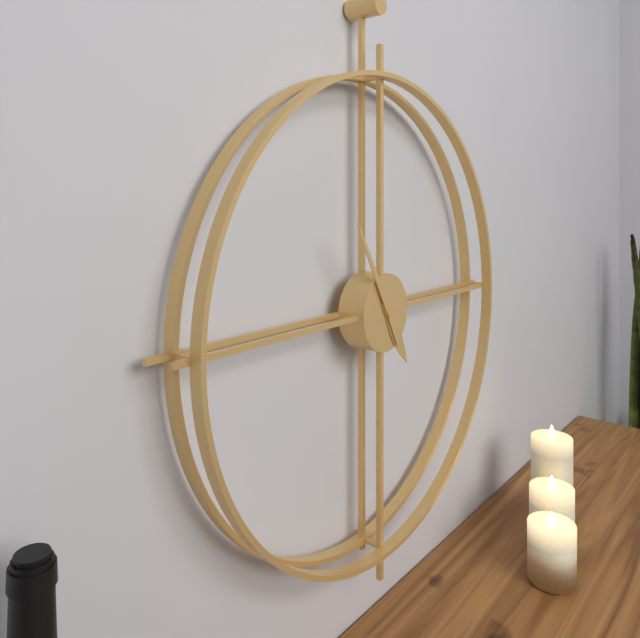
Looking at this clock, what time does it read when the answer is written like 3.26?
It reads 4.55
